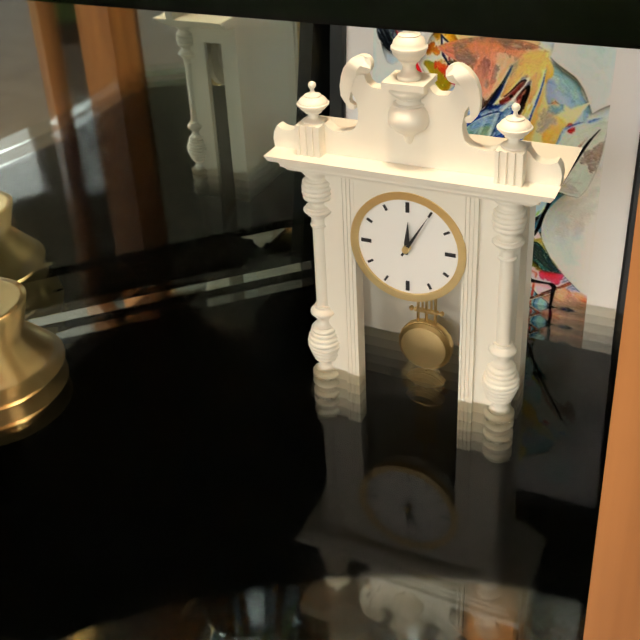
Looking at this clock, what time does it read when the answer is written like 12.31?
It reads 12.05
